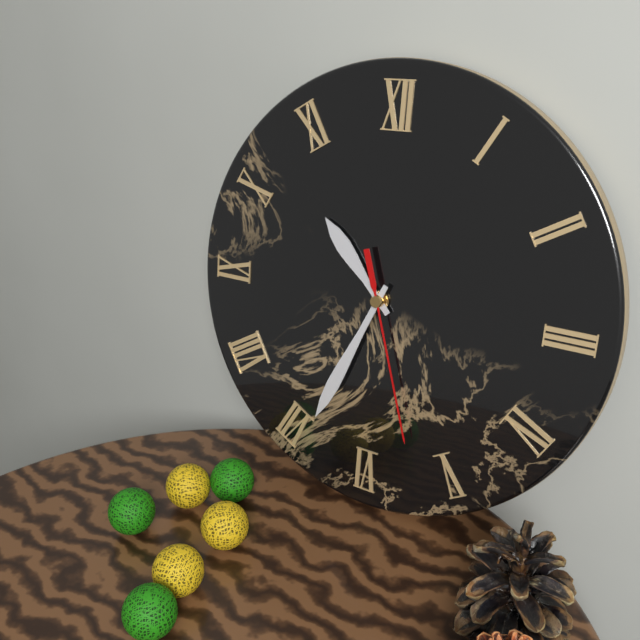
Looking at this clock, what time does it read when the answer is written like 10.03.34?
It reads 10.34.27
